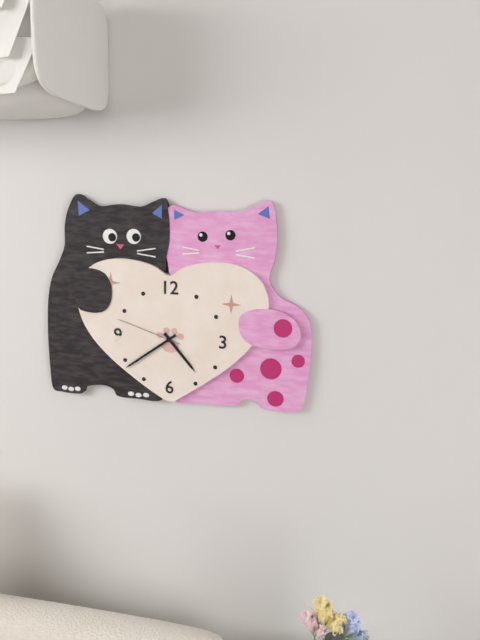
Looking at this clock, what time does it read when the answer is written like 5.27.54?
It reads 4.39.48
